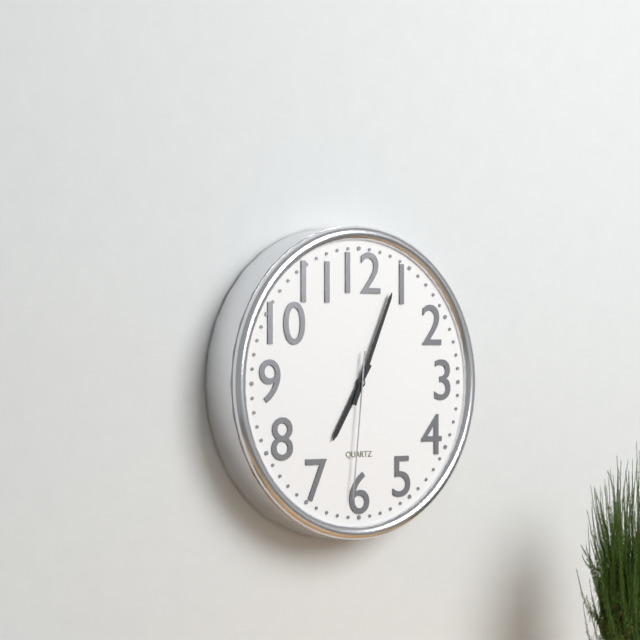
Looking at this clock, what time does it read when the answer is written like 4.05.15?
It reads 7.04.31
